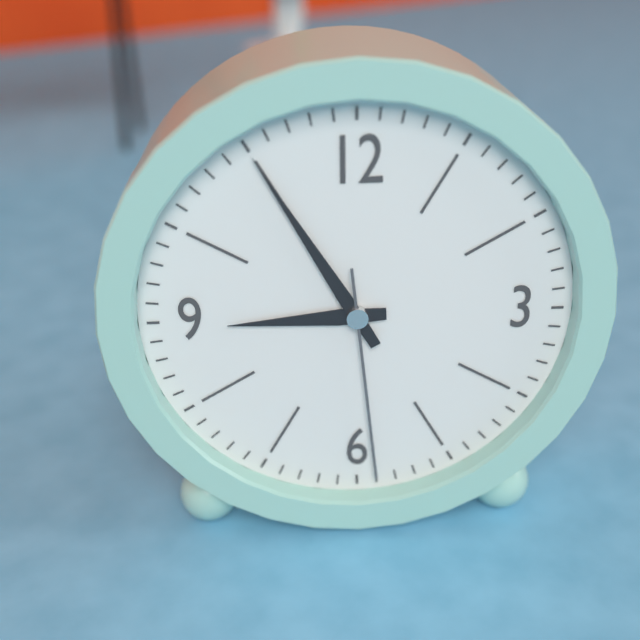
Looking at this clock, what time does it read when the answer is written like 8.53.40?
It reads 8.55.29
